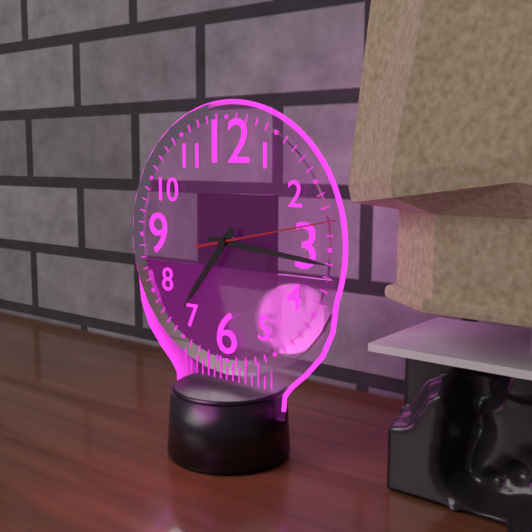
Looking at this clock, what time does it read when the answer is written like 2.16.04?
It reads 7.16.13
